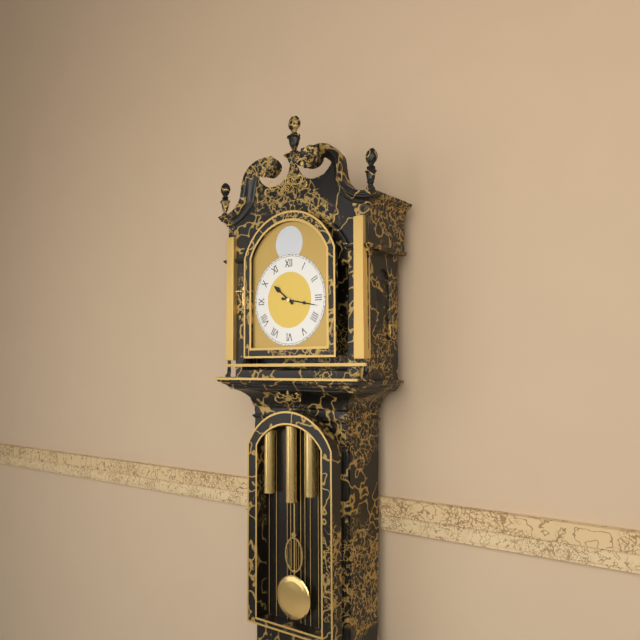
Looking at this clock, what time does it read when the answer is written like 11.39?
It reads 10.17
